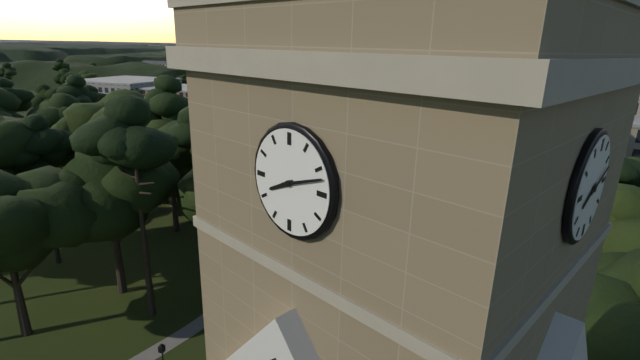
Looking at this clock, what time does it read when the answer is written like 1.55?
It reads 8.12
